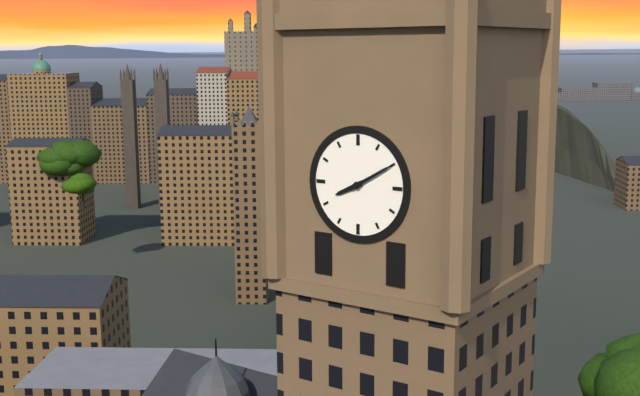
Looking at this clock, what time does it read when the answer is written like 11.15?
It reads 8.10
